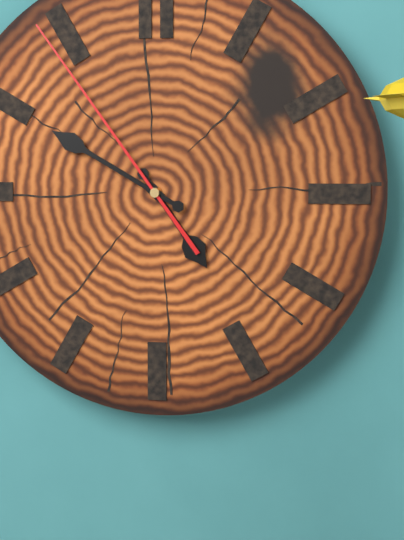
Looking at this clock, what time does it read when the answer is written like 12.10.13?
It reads 4.50.54
